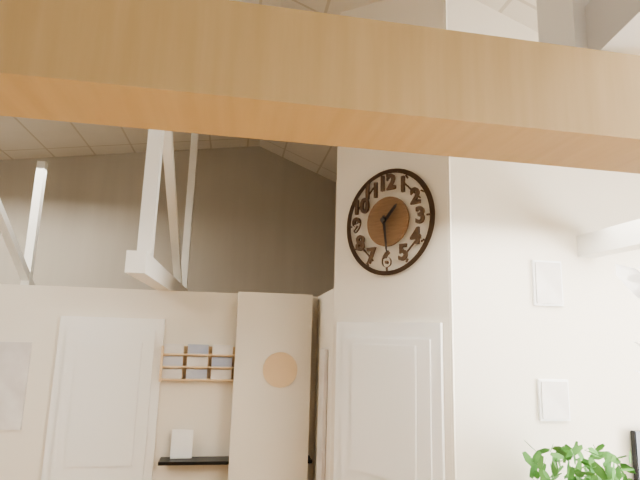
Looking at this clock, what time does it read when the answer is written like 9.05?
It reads 1.29
